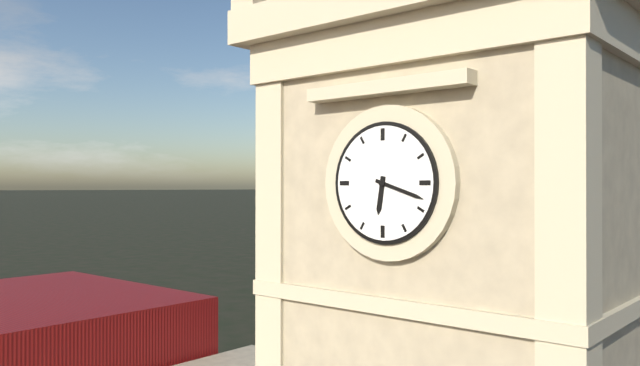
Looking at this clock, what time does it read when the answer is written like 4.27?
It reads 6.18
